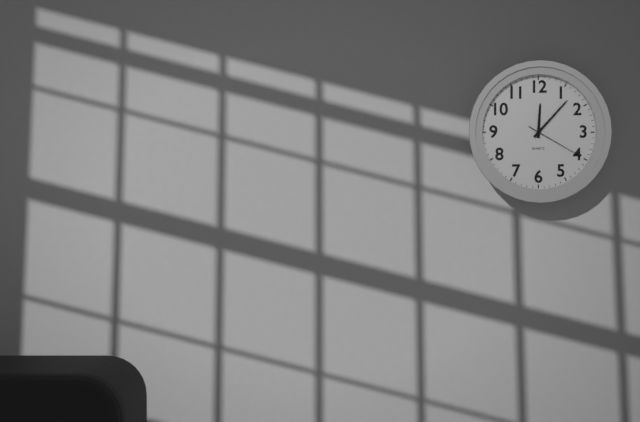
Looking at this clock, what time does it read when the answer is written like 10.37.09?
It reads 12.07.20
